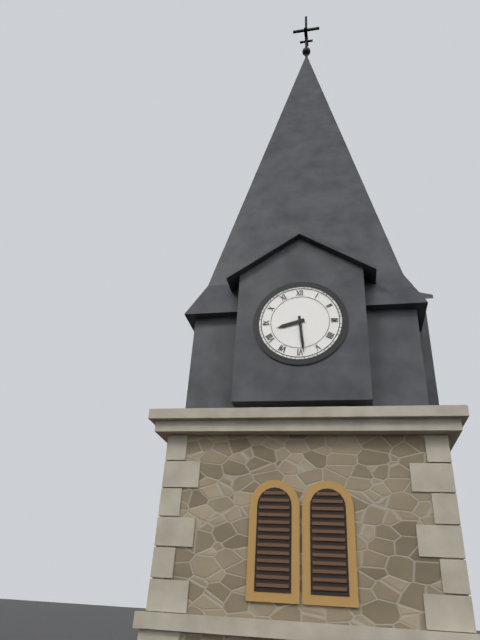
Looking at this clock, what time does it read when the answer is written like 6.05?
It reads 8.29
